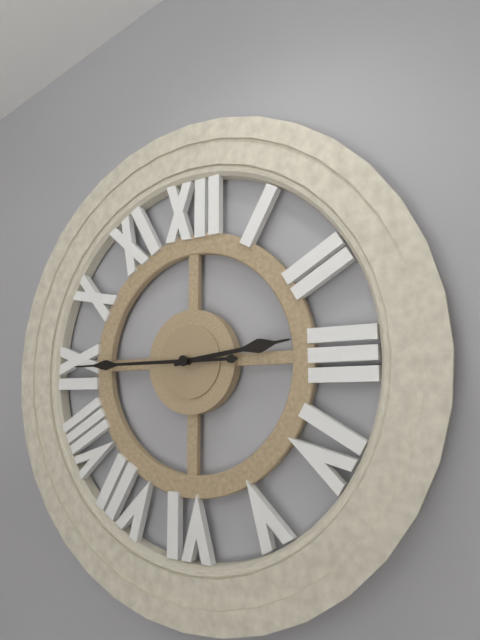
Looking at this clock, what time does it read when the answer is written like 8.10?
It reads 2.45
